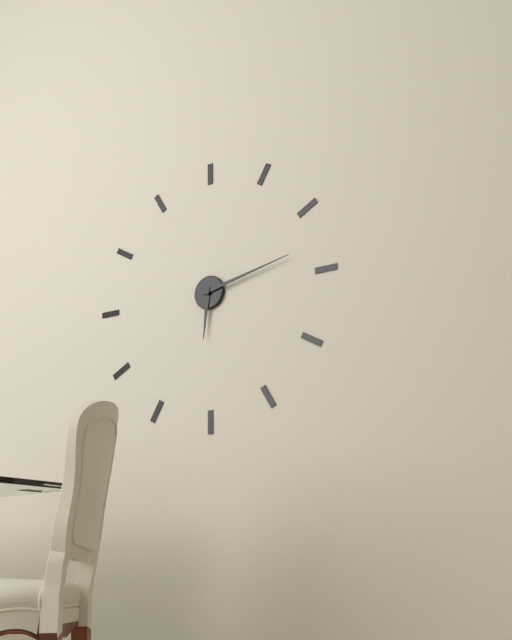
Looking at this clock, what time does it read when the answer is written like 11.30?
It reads 6.13
